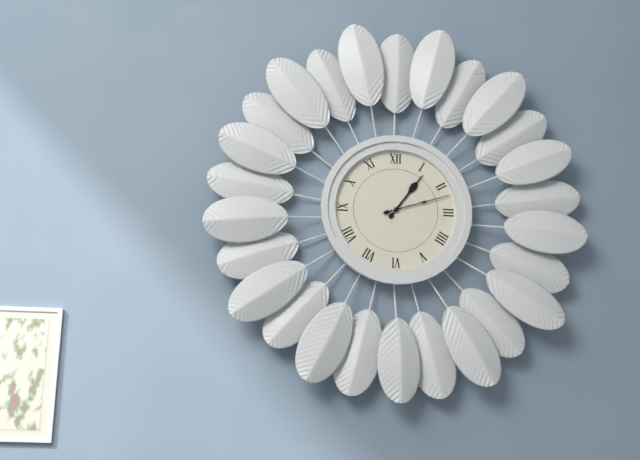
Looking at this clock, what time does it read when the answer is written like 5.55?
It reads 1.12
